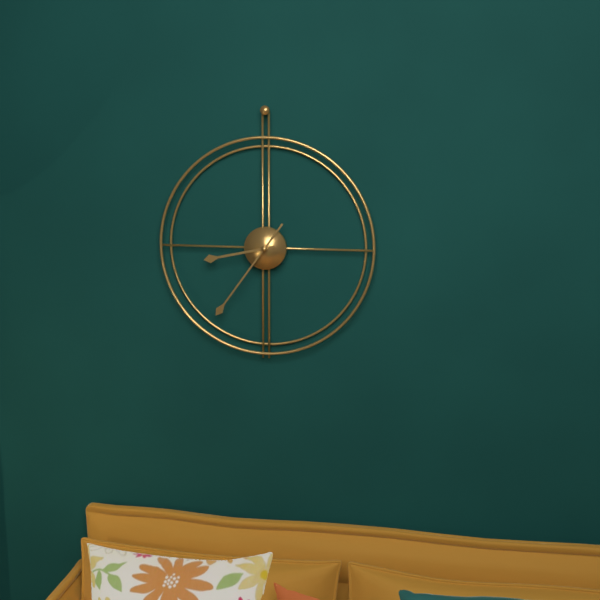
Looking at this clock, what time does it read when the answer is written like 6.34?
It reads 8.36
